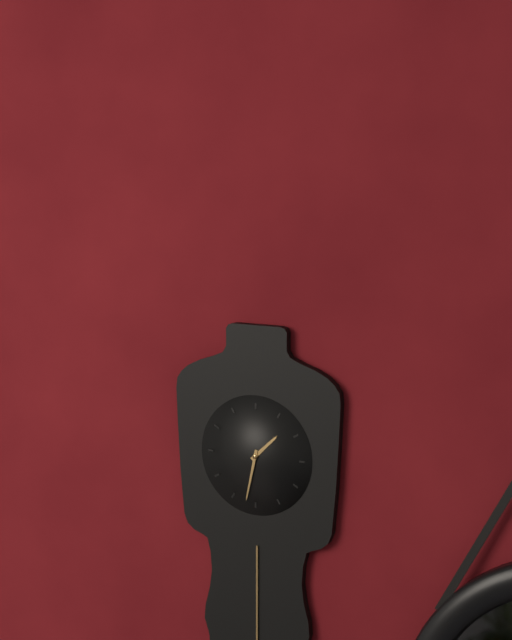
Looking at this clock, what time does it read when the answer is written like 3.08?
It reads 1.32
